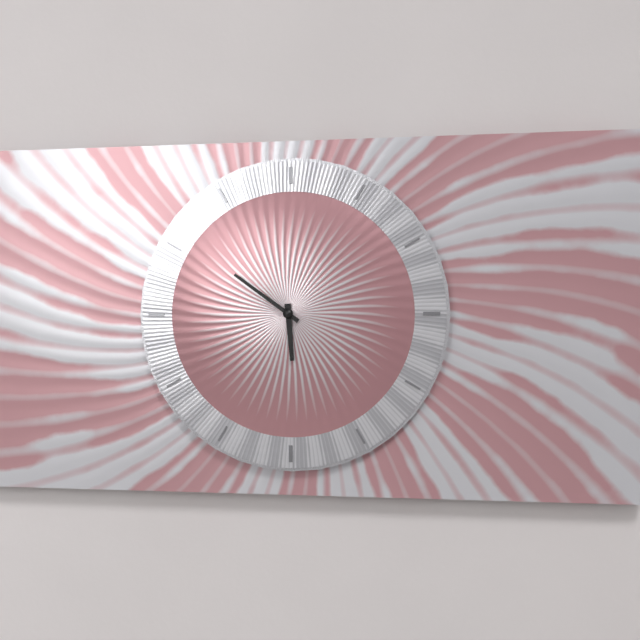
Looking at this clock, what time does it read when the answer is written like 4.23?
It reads 5.51
